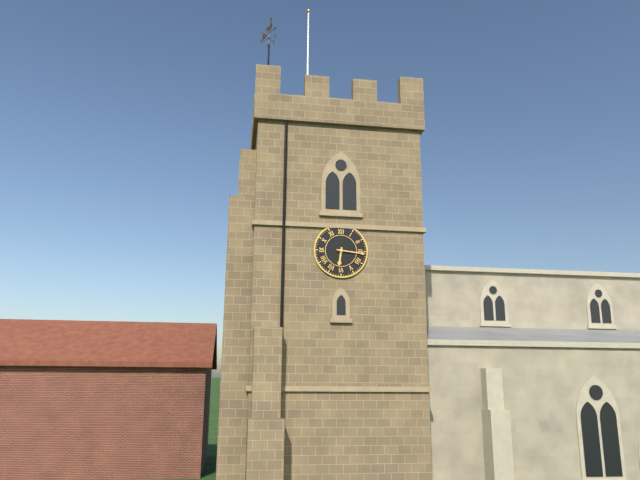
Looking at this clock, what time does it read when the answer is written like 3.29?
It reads 6.16
